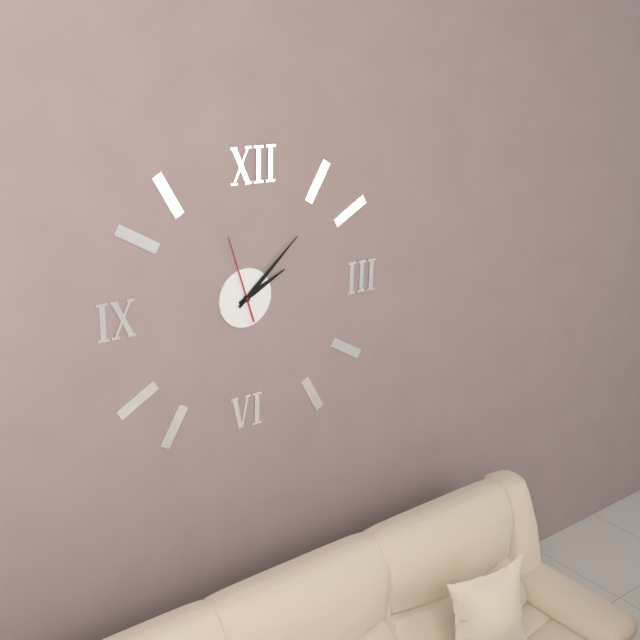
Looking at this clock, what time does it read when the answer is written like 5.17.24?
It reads 2.08.57
